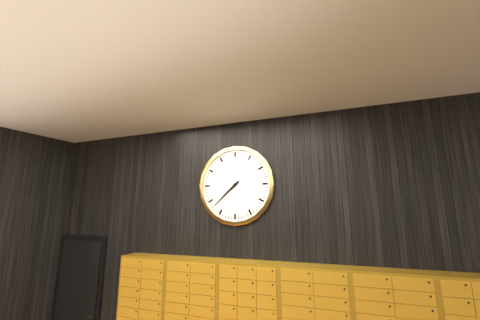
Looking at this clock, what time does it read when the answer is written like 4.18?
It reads 7.38
